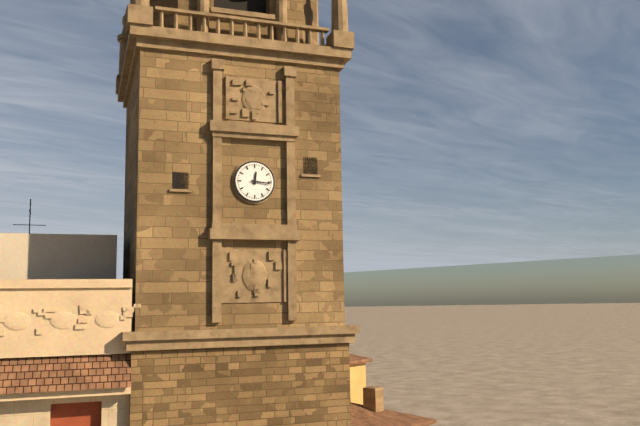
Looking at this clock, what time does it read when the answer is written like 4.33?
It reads 12.16
